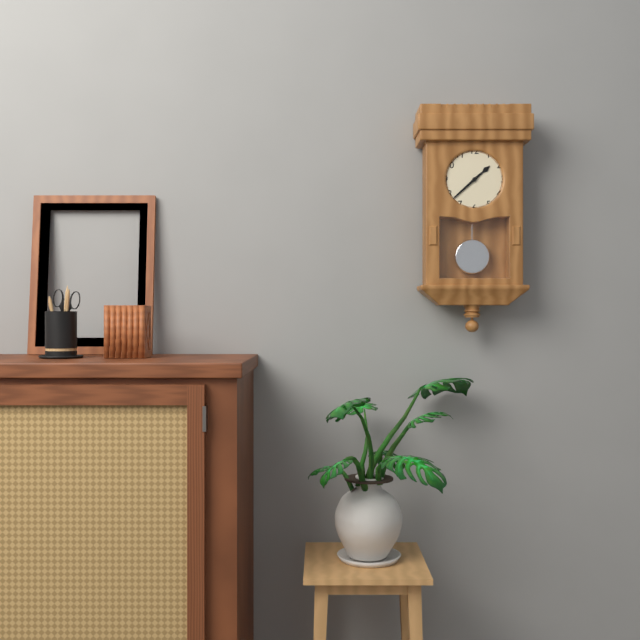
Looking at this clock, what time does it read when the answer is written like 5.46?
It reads 1.38
